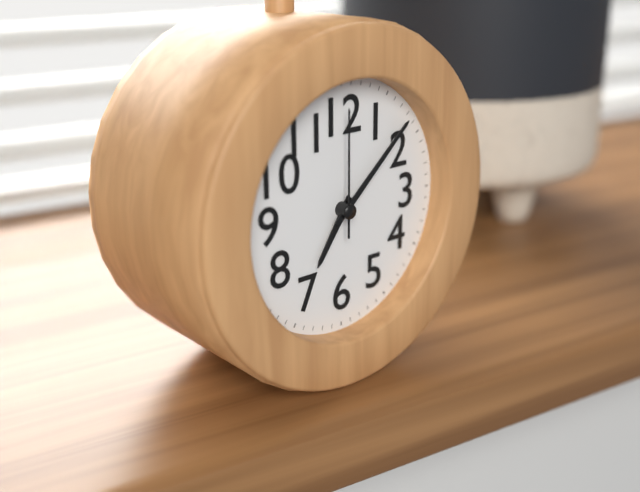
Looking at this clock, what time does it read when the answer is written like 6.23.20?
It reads 7.08.00
